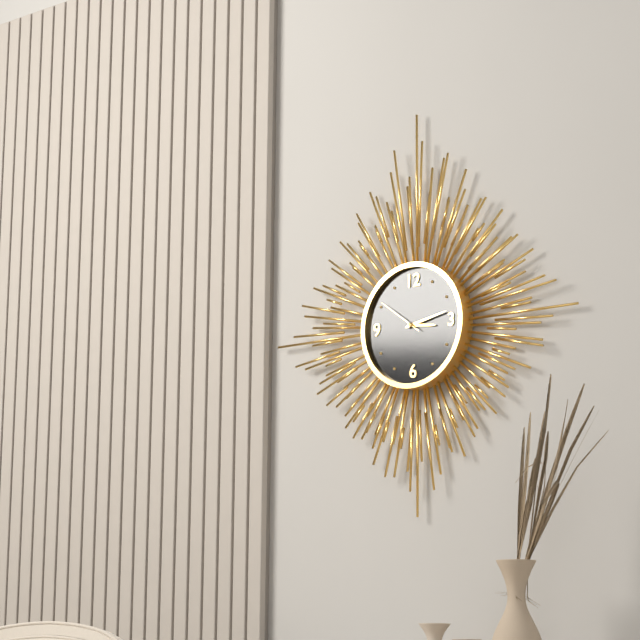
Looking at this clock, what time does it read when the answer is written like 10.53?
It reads 3.13
